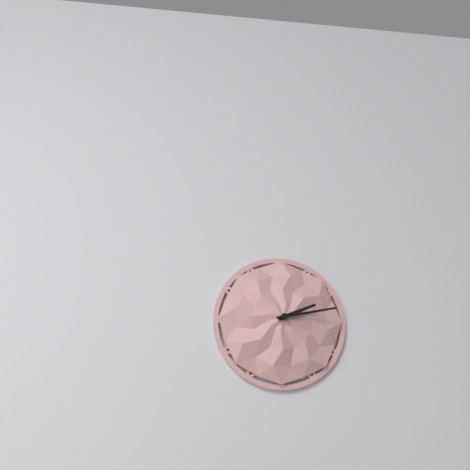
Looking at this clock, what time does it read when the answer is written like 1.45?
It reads 2.13
